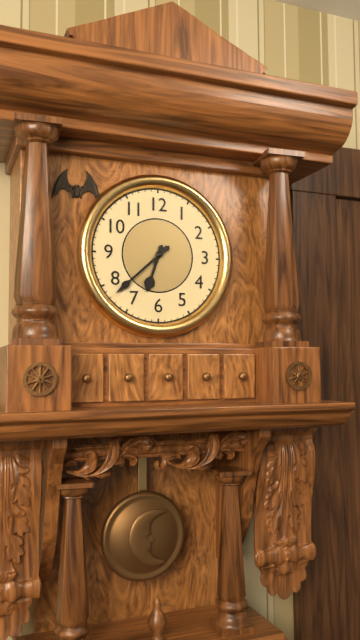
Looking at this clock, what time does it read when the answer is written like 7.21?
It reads 6.38
